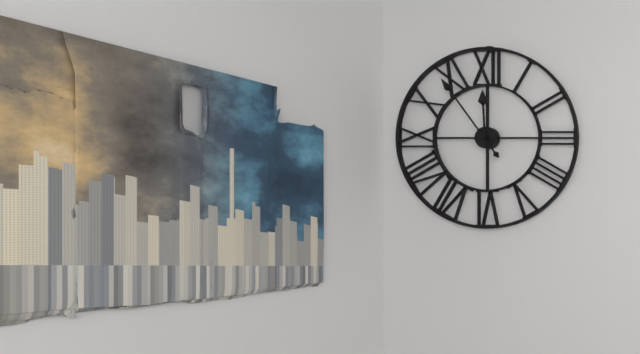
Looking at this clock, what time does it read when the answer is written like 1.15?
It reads 11.54
